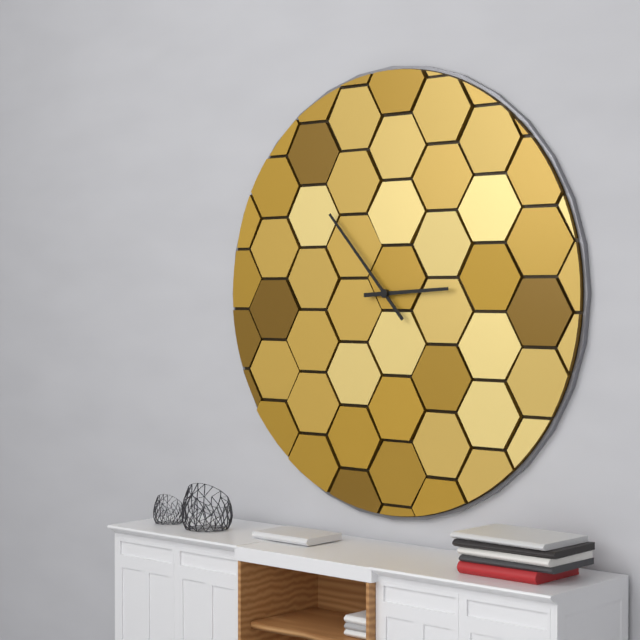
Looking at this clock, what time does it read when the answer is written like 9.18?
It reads 2.53
